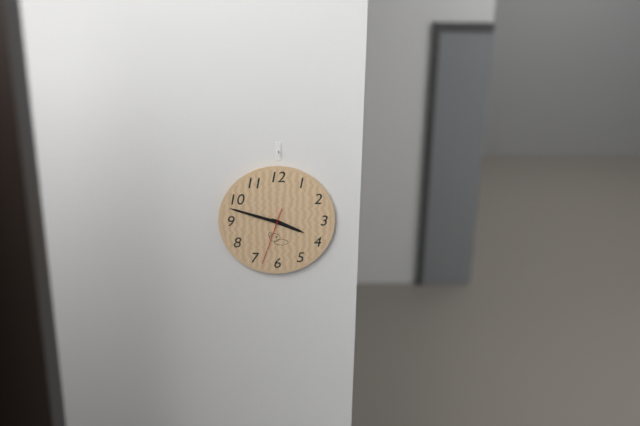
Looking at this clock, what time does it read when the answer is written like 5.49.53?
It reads 3.48.33
